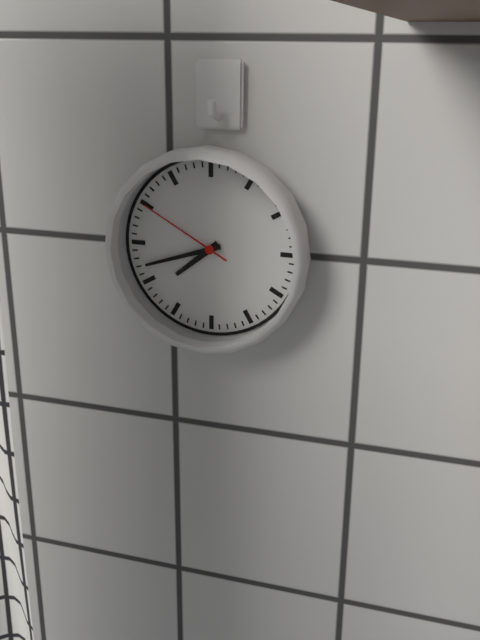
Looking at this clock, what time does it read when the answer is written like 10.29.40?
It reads 7.42.50
